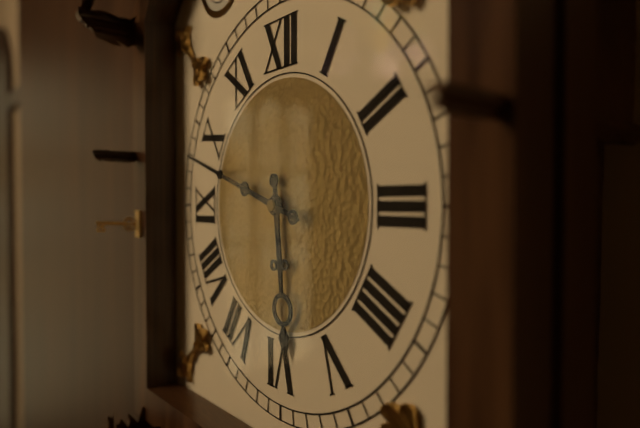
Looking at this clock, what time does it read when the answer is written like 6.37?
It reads 5.48
